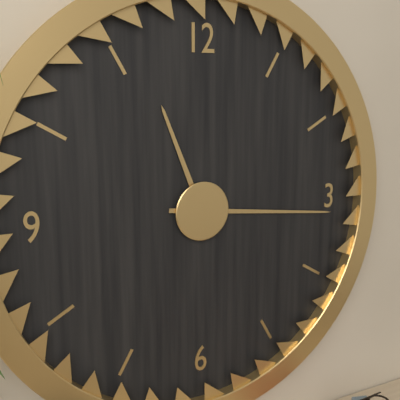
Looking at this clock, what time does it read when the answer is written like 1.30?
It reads 11.16
